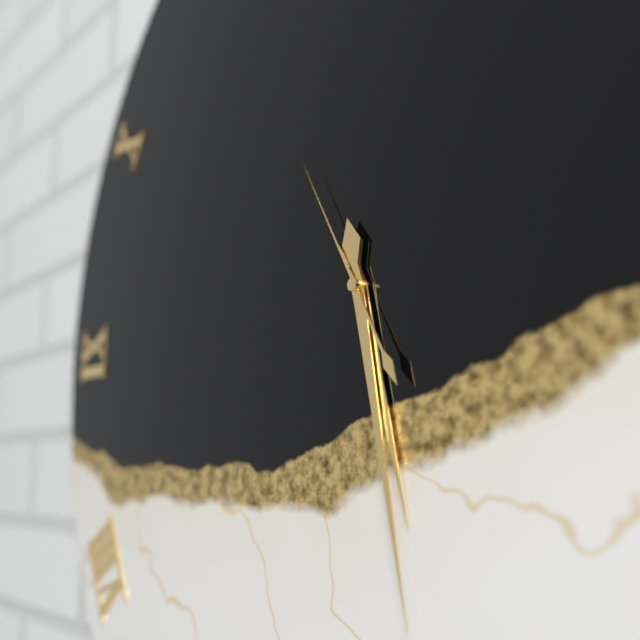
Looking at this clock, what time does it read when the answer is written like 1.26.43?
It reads 5.28.55
